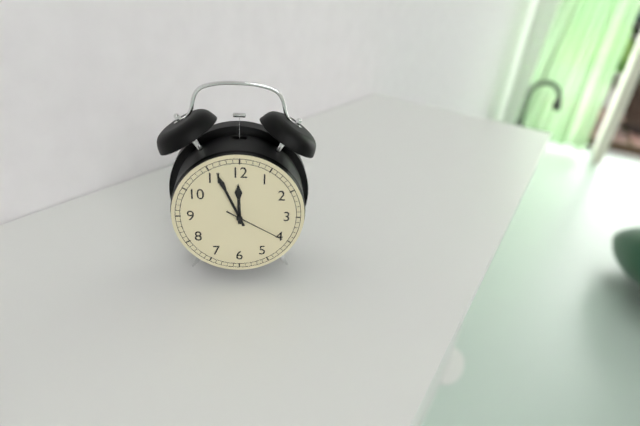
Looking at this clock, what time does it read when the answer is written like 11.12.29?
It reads 11.56.20
